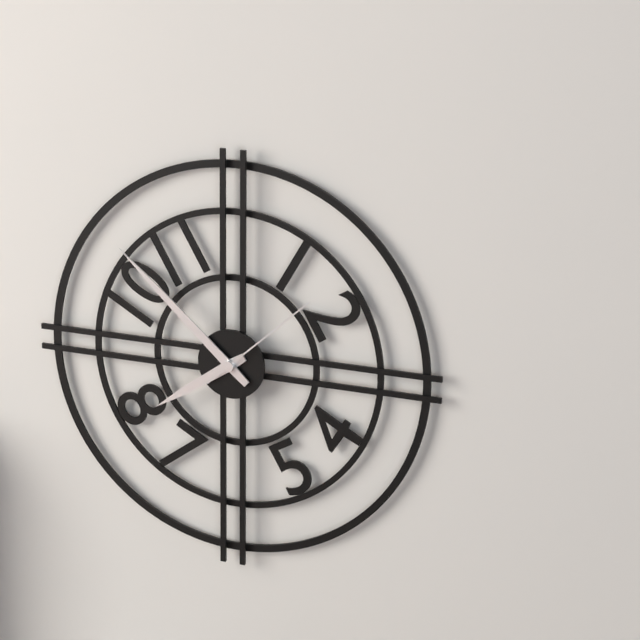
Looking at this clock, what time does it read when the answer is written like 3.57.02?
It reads 7.52.08
